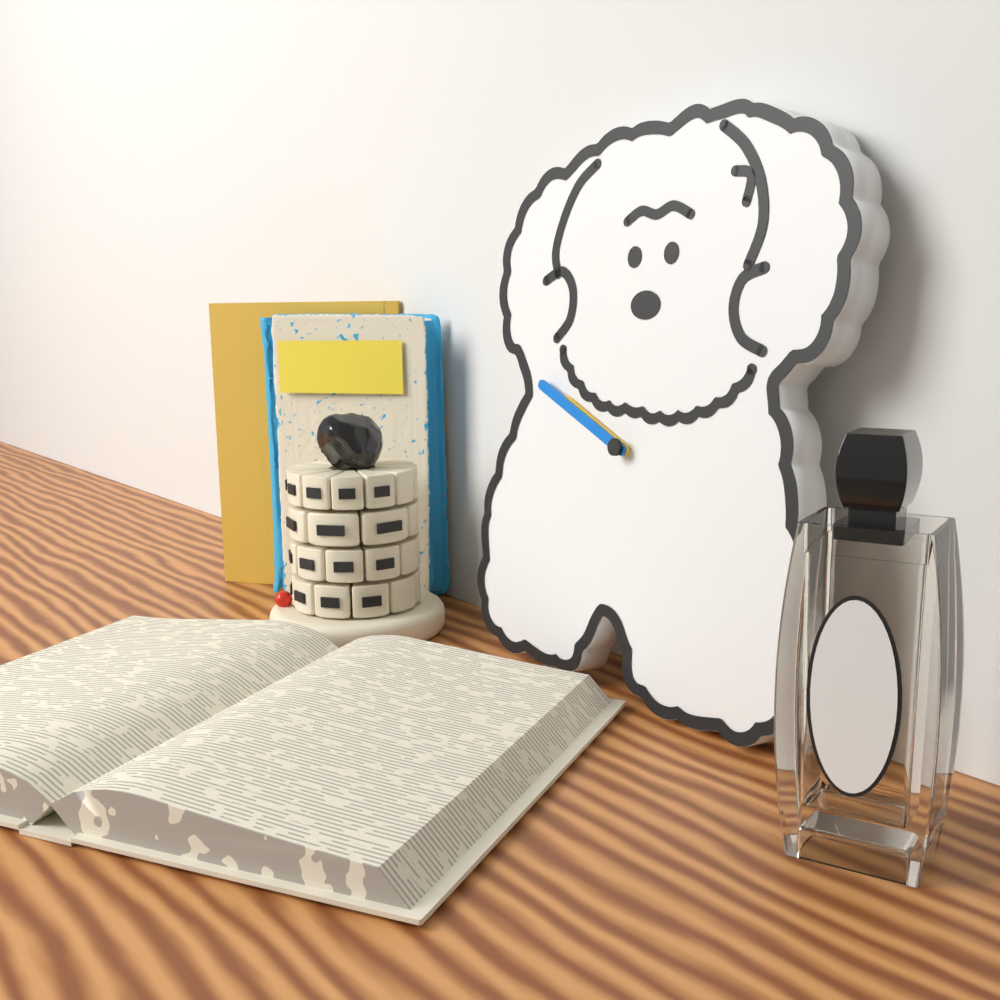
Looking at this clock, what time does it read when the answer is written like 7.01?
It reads 9.49
